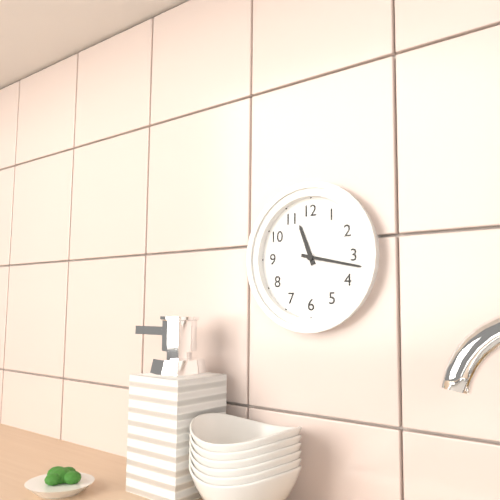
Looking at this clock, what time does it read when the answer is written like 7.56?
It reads 11.17
